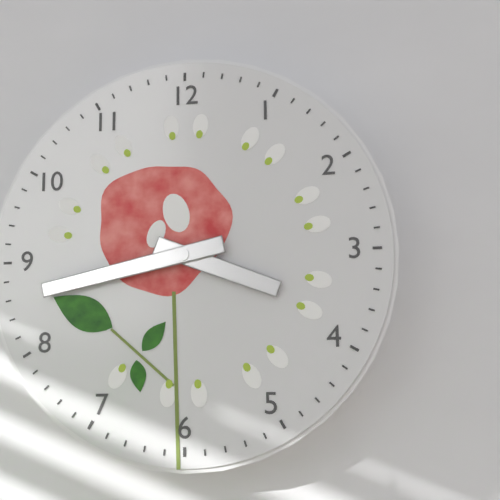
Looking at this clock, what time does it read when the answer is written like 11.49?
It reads 3.43
